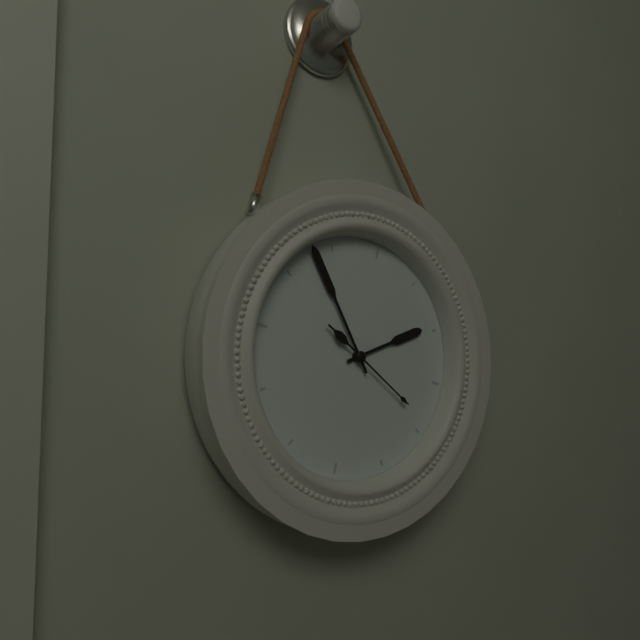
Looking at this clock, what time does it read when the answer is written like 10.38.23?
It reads 1.53.19
